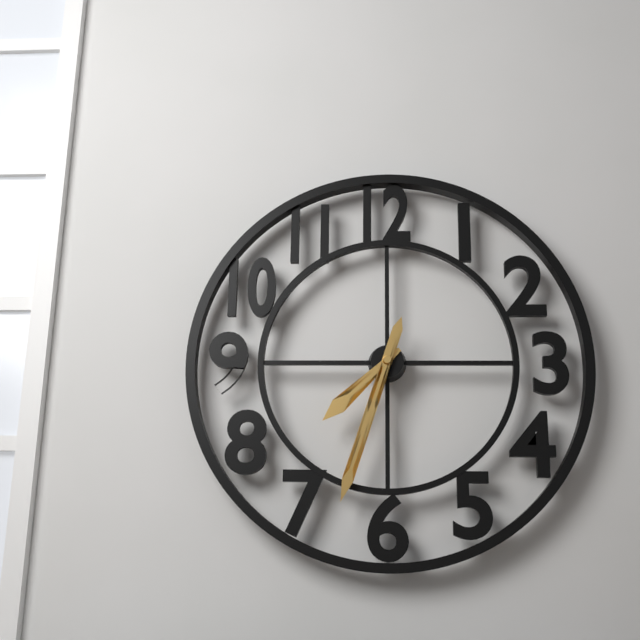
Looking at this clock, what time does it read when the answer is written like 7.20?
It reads 7.33
